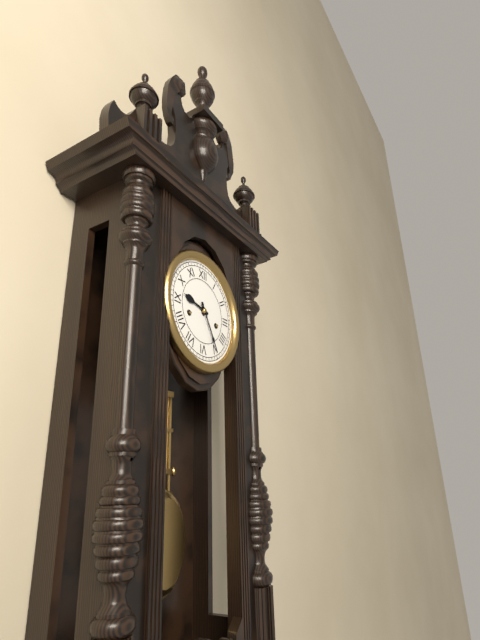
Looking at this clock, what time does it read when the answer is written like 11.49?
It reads 9.25
